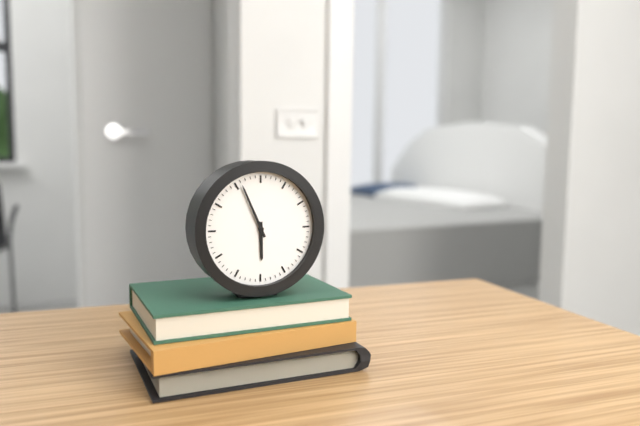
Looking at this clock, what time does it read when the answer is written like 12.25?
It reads 5.56
